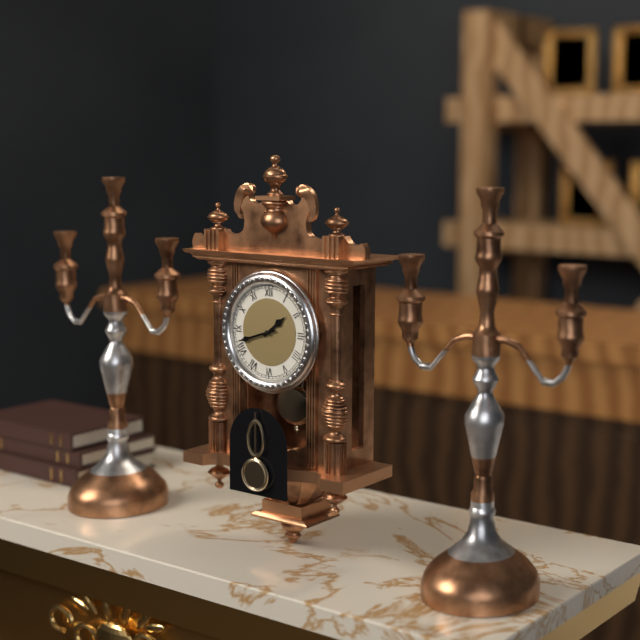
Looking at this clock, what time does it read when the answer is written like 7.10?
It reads 1.42
